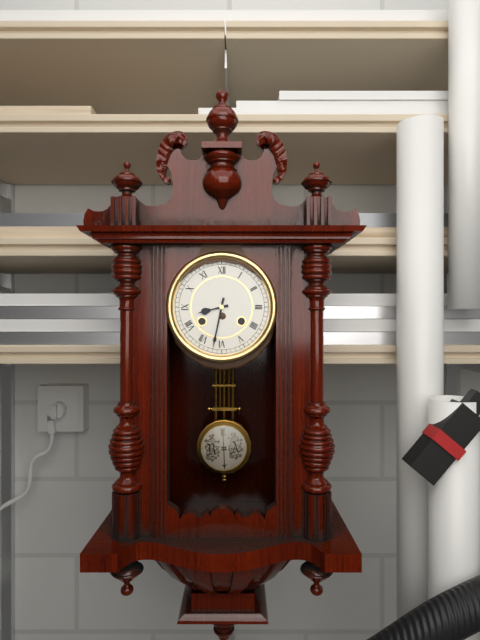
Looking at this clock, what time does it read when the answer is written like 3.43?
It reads 8.32
